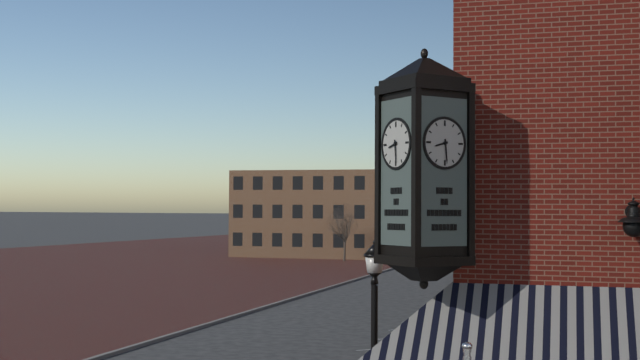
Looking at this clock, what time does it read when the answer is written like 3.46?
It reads 8.29
